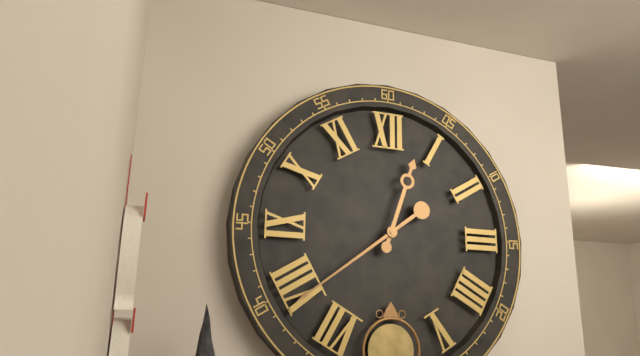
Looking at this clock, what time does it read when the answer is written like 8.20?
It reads 12.39
